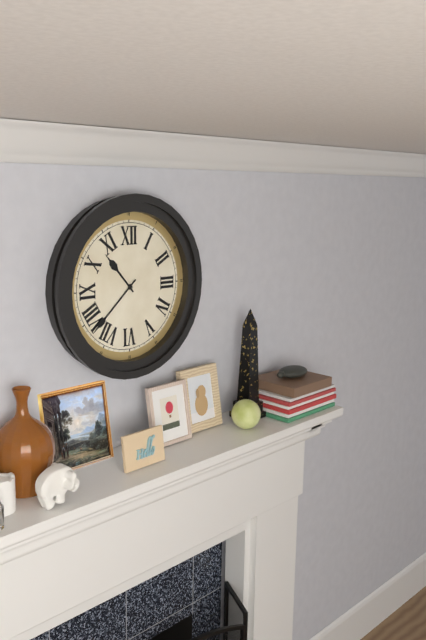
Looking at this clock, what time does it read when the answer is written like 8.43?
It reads 10.38
